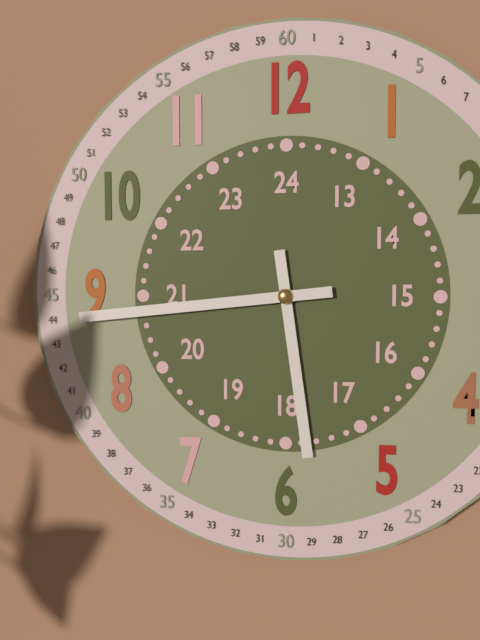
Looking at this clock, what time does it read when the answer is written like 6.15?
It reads 5.44
